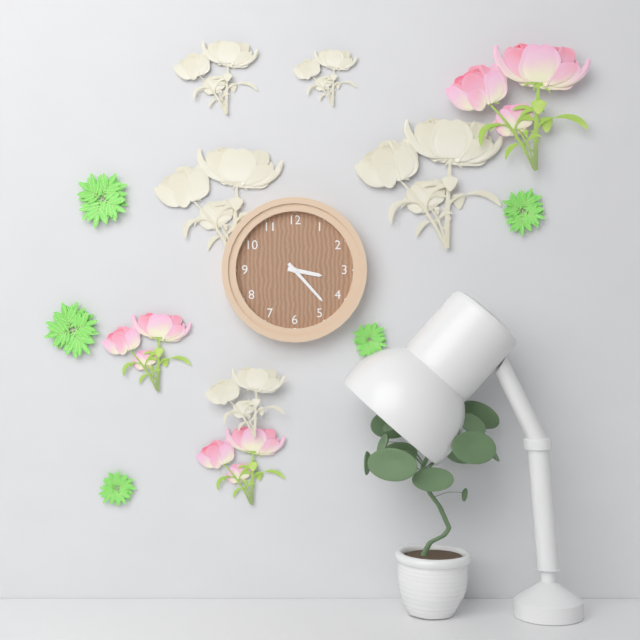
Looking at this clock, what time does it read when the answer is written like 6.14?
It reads 3.23
